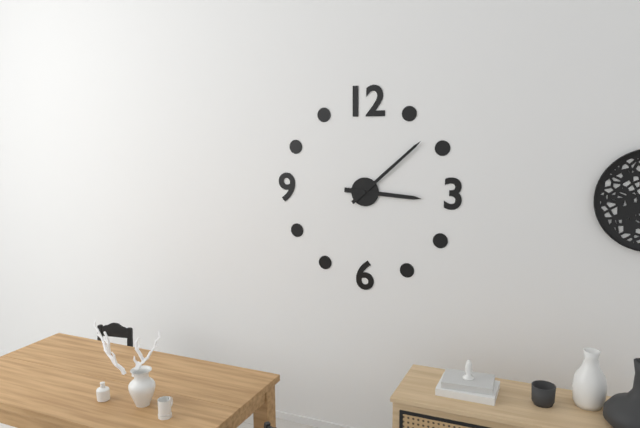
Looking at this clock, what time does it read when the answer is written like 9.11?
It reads 3.08
